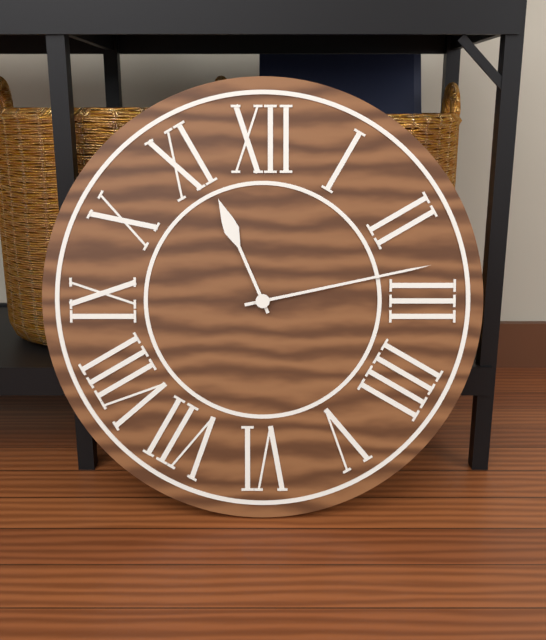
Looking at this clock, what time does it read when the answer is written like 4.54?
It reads 11.13
